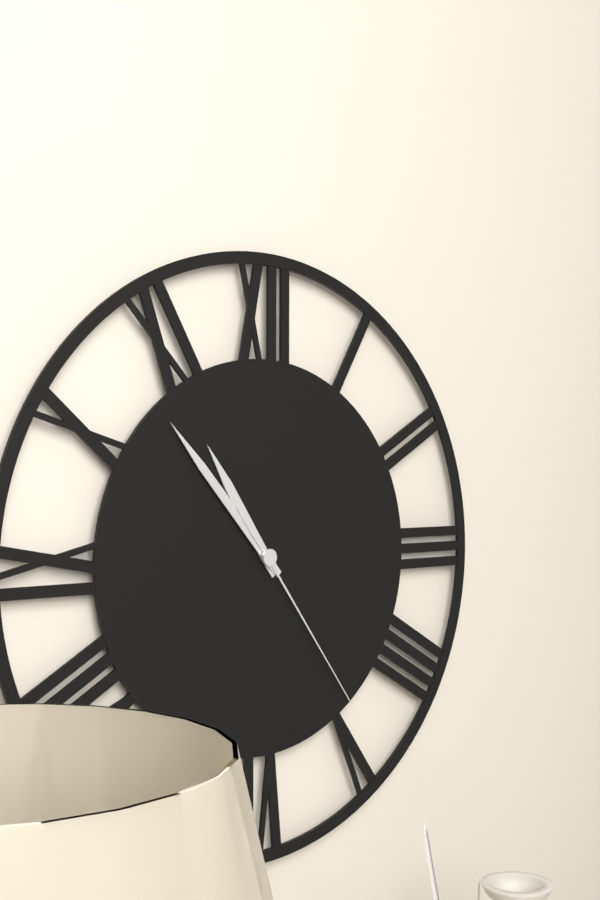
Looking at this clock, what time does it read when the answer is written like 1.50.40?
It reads 10.53.24
